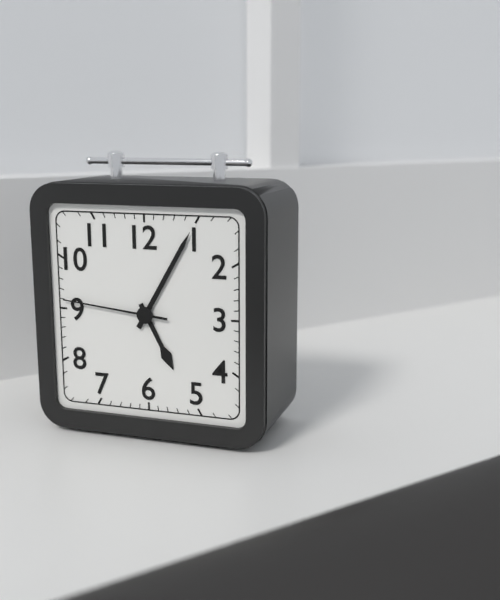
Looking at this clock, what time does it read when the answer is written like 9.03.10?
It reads 5.05.46
